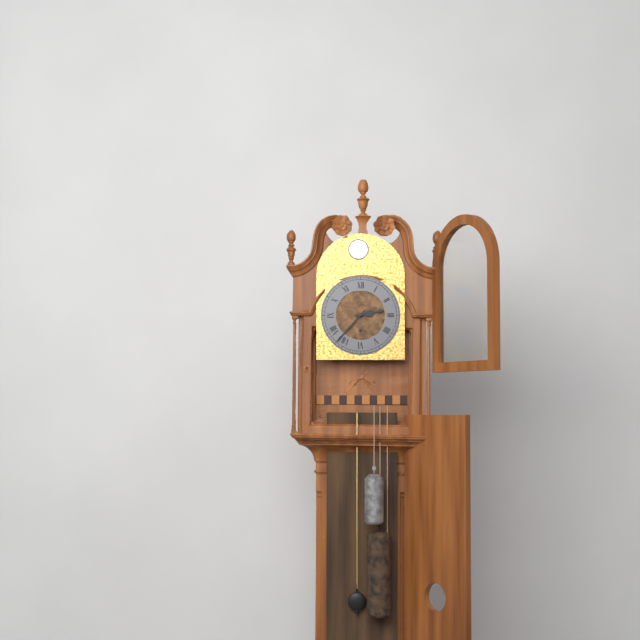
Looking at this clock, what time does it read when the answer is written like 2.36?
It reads 2.37
